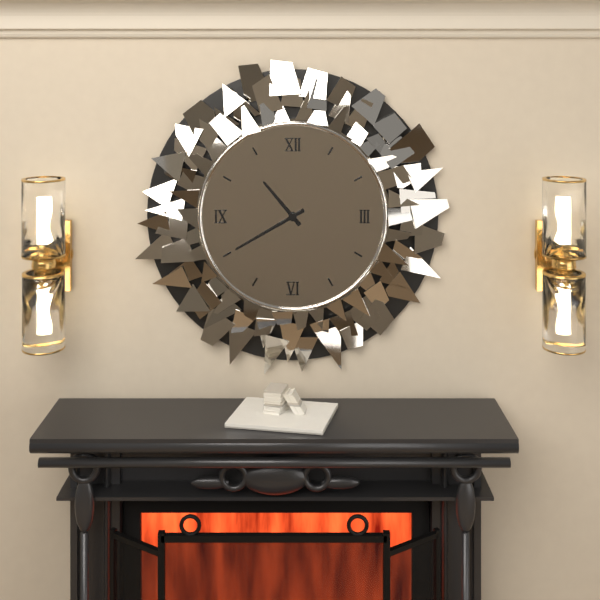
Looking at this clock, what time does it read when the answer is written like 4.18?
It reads 10.40
